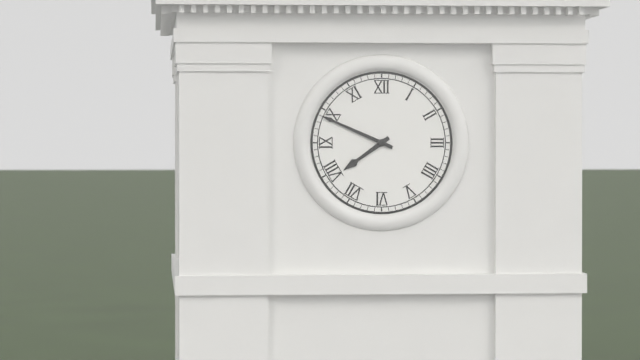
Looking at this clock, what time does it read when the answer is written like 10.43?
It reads 7.49
